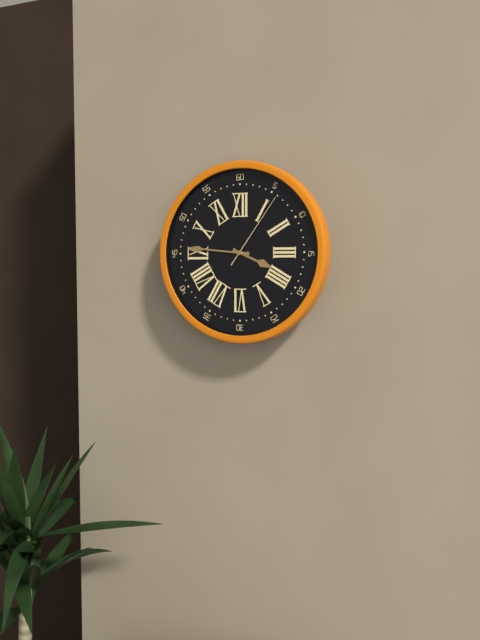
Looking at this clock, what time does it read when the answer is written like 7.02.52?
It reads 3.46.06
